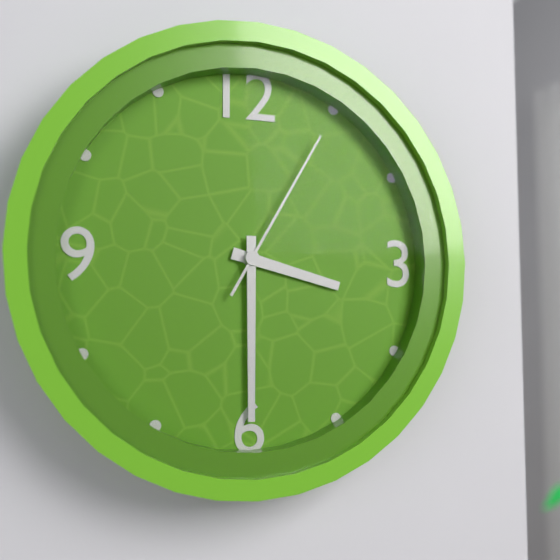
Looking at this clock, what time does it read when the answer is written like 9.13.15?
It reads 3.30.05
